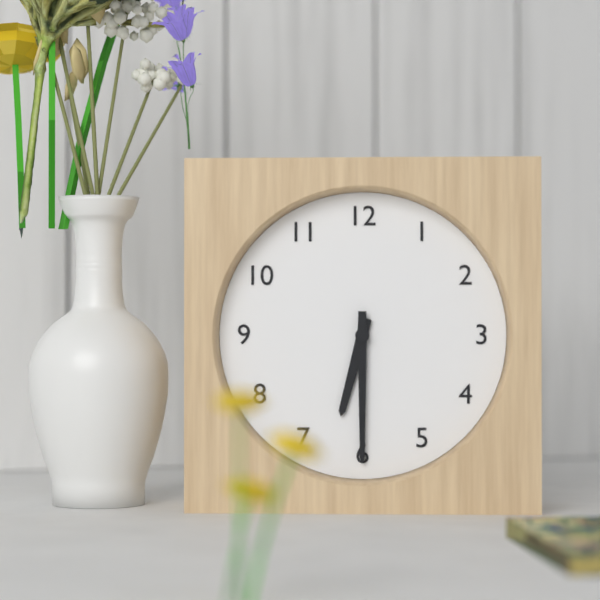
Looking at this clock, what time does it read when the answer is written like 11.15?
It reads 6.30
